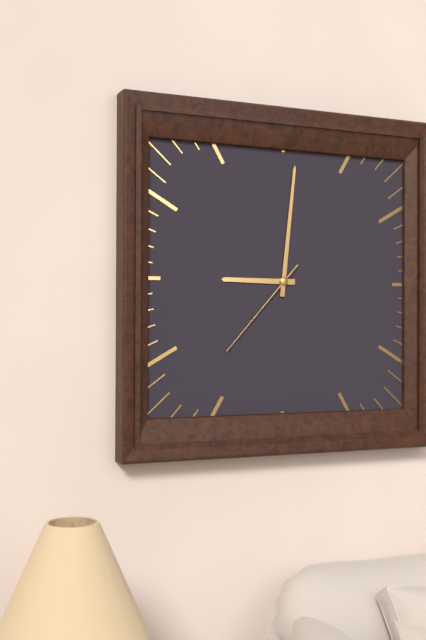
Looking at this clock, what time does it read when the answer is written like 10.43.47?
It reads 9.01.37
